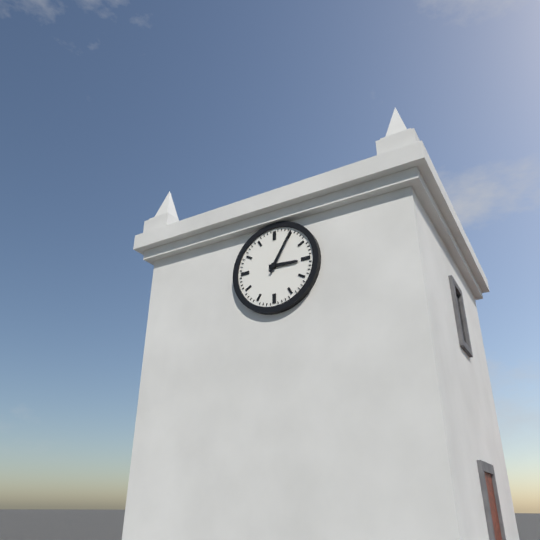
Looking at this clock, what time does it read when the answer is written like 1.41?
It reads 3.05
